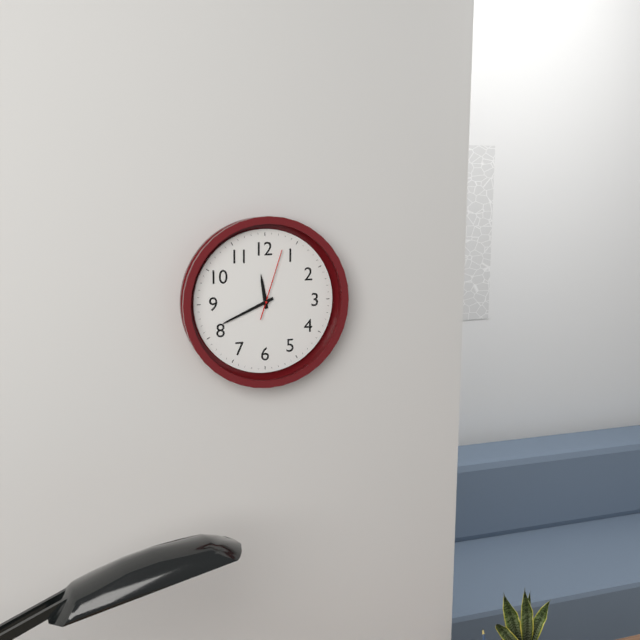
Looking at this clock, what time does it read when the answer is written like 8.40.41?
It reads 11.41.03
